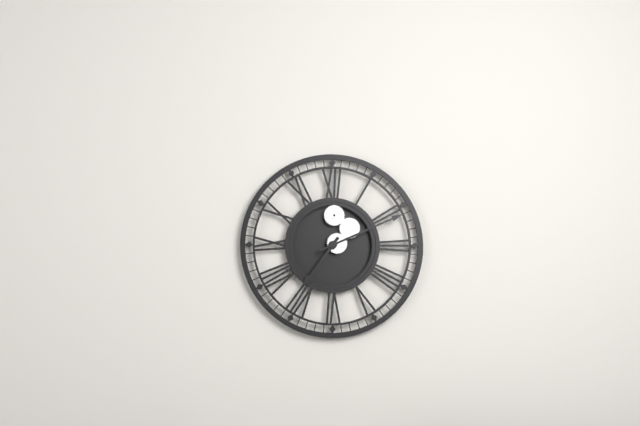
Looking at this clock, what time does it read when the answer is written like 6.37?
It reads 7.11
